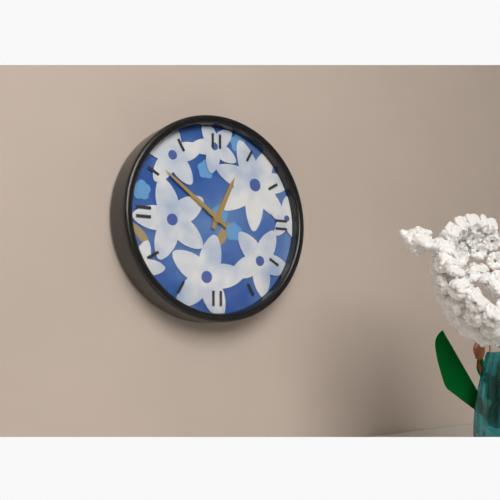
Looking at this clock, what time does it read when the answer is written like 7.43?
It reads 12.51
